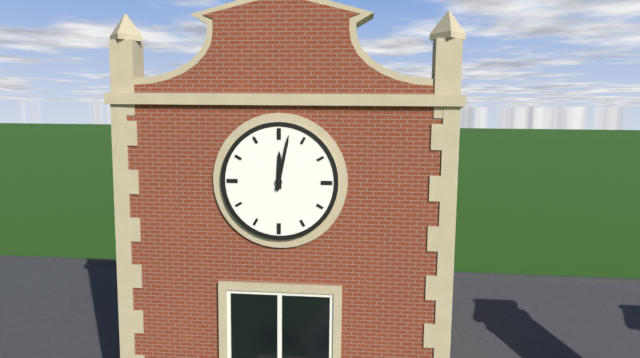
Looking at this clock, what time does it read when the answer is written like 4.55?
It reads 12.02
